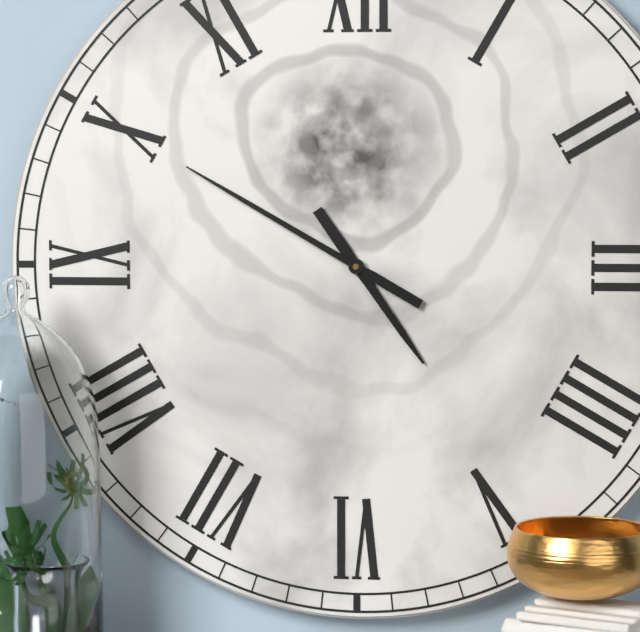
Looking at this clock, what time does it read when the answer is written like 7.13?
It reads 4.50
